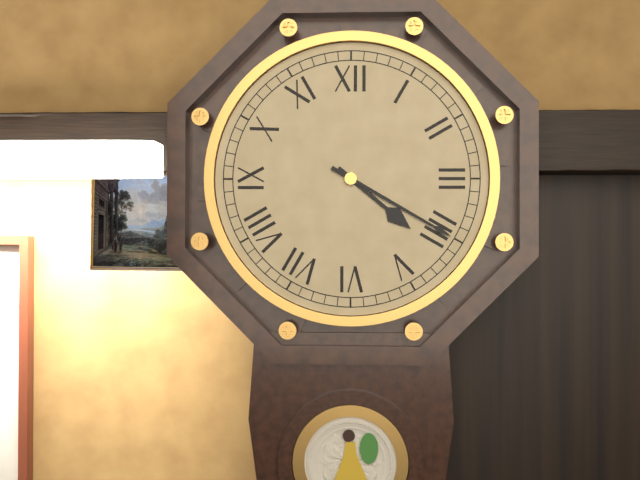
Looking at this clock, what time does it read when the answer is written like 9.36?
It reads 4.20
